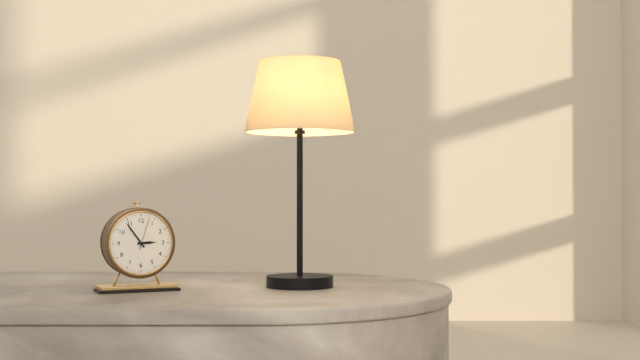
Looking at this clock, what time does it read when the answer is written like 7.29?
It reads 2.54
